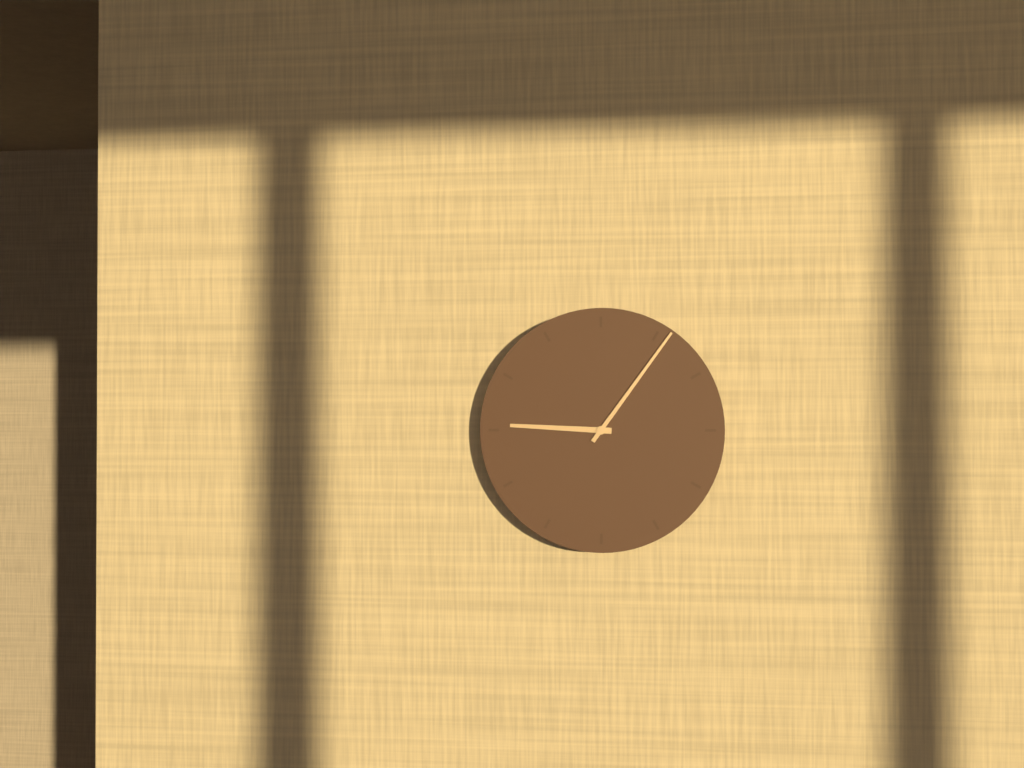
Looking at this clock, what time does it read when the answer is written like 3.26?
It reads 9.06
